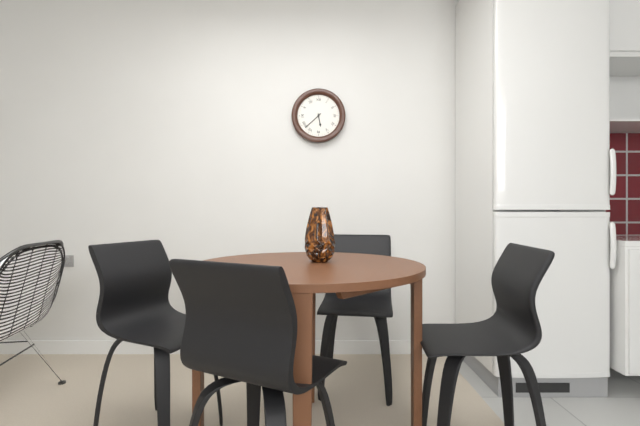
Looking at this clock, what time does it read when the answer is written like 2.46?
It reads 5.38
